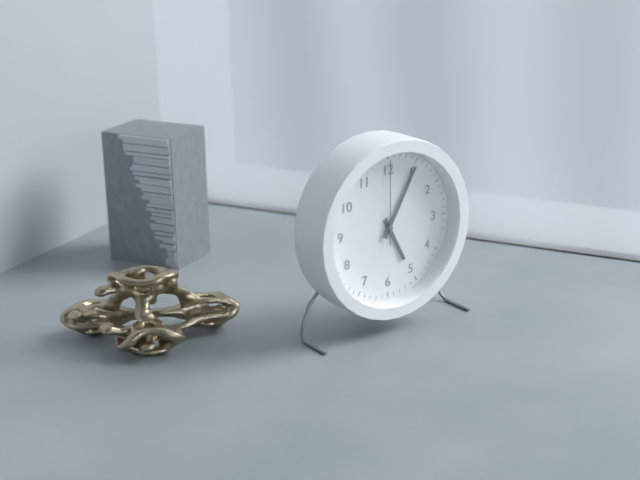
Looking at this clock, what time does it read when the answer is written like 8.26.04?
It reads 5.05.00
